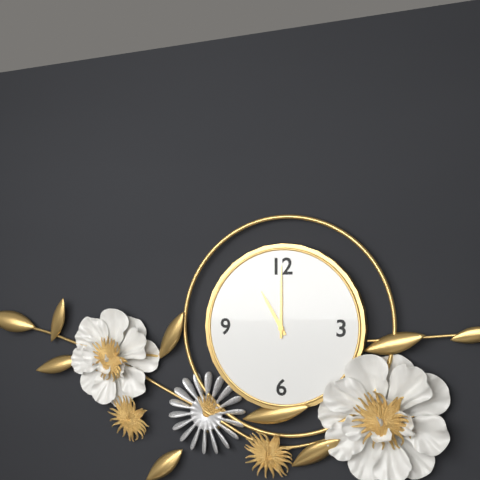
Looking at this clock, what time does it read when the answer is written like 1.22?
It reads 11.00
